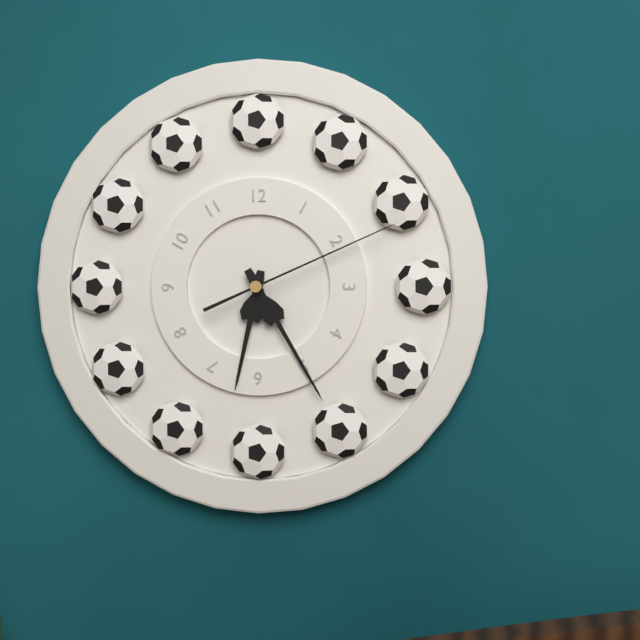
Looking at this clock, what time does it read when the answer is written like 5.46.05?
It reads 6.25.11
